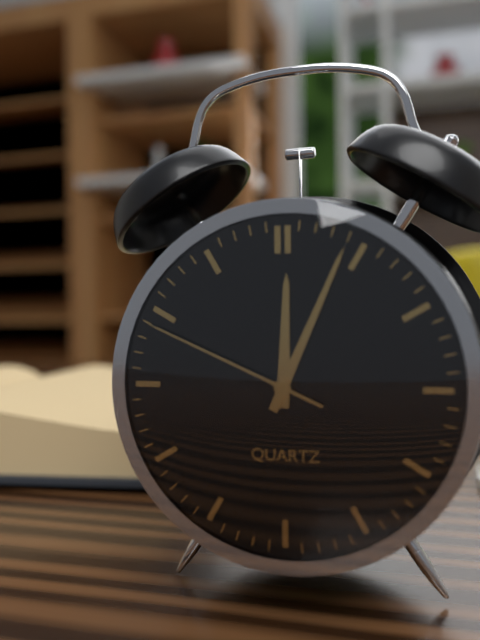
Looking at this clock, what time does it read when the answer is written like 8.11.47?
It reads 12.04.49
